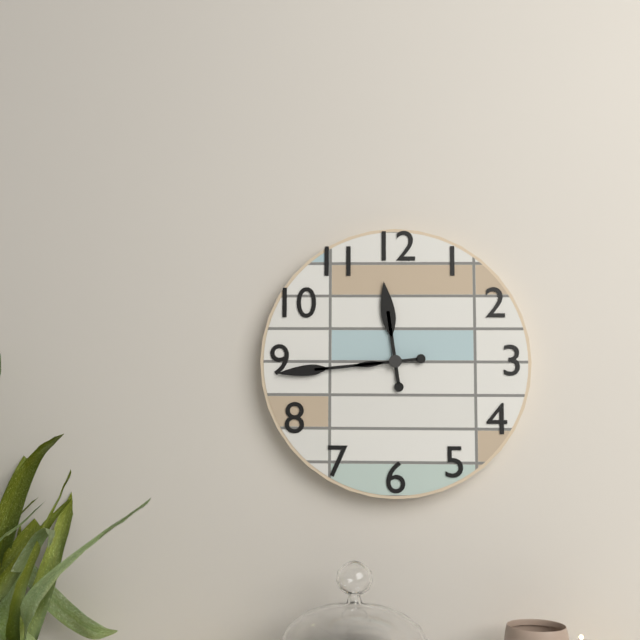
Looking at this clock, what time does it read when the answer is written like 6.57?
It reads 11.44
